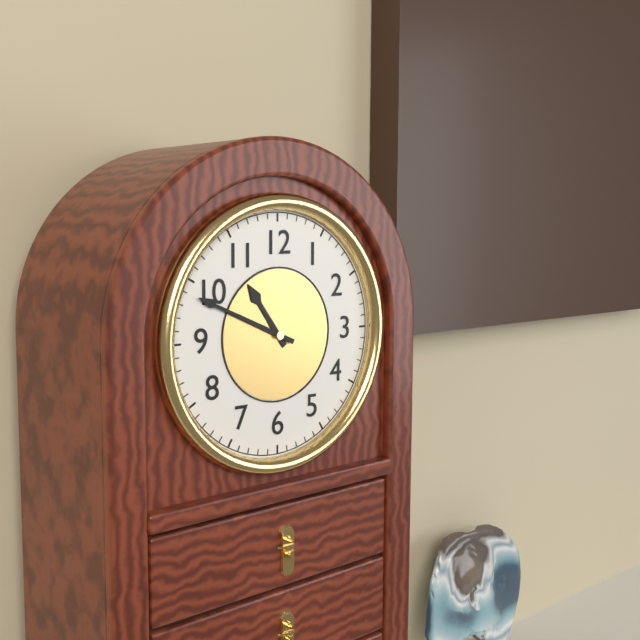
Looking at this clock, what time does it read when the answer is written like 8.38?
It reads 10.49
